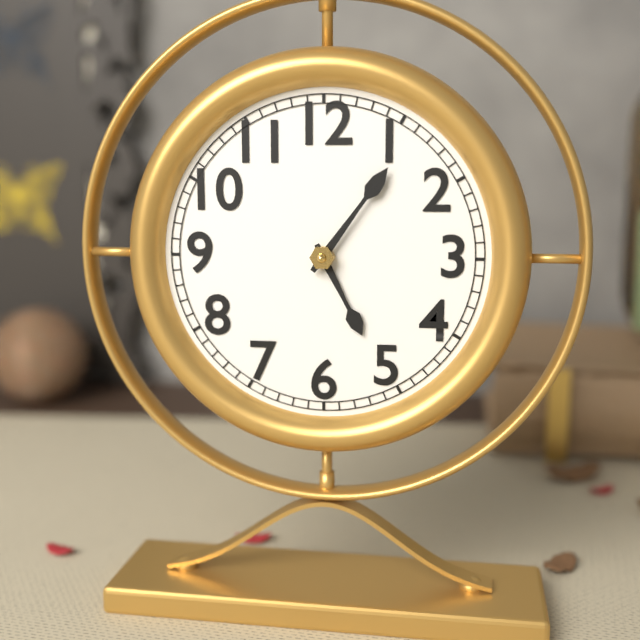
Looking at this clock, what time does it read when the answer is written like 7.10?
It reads 5.06
